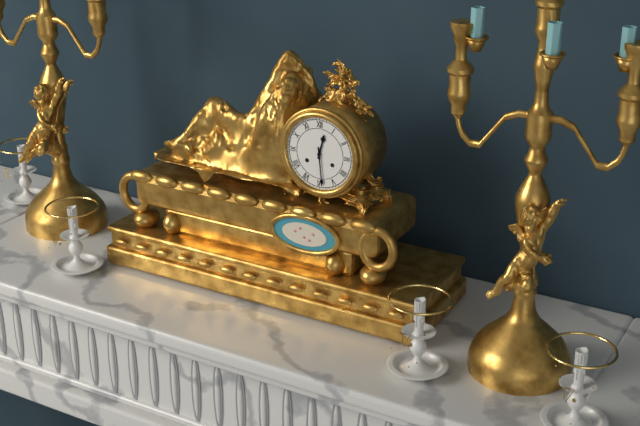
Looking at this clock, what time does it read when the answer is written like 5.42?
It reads 12.29
